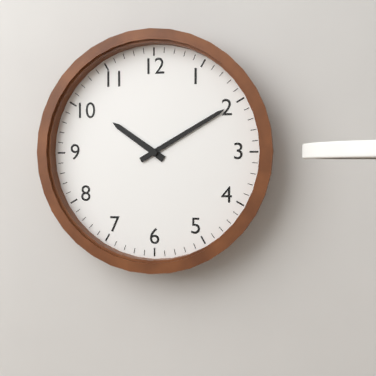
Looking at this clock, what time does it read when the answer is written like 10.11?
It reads 10.10
